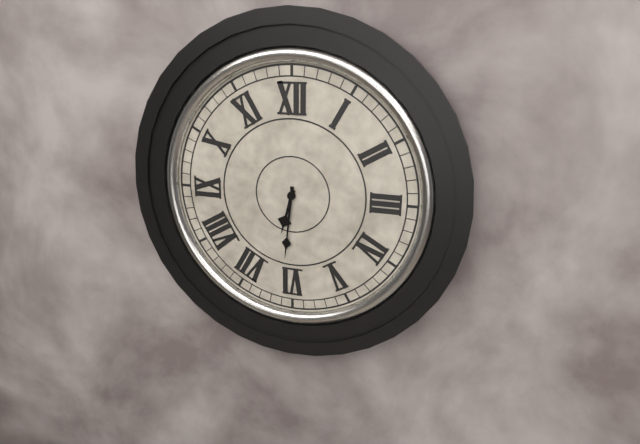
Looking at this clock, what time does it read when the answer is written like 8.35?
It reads 6.31
